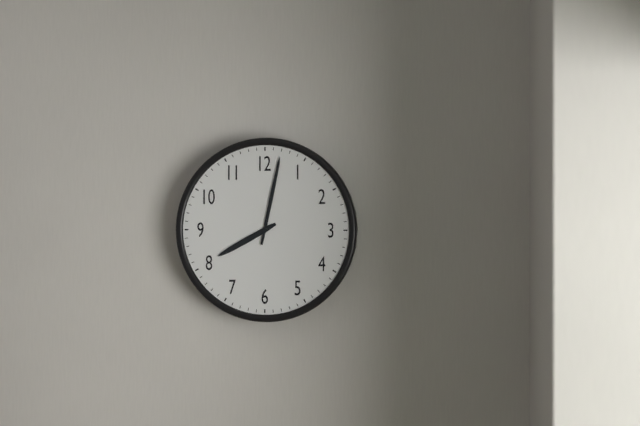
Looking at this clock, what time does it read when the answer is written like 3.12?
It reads 8.02
